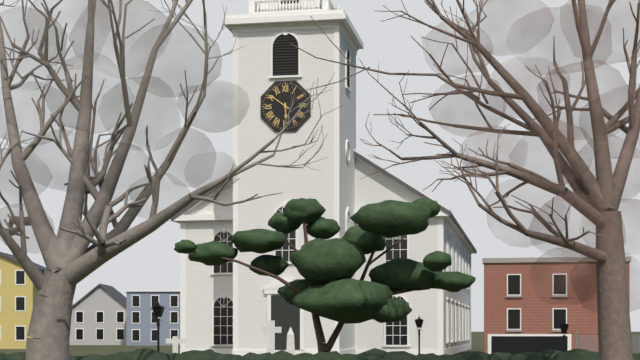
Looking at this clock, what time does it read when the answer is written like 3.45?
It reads 5.51
